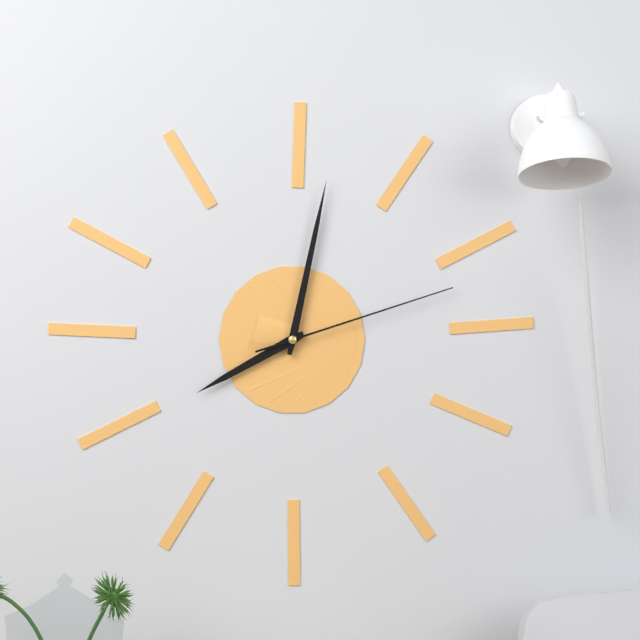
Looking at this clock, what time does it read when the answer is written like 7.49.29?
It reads 8.02.12
